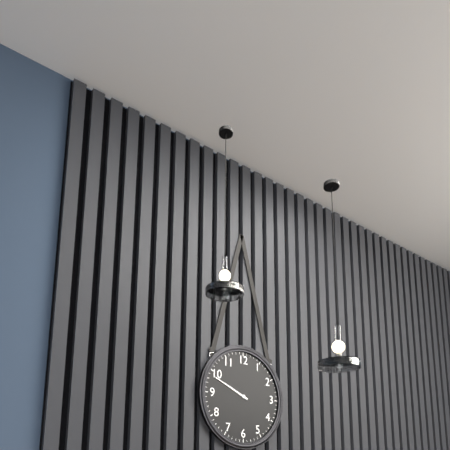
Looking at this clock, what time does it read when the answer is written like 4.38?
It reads 9.49
